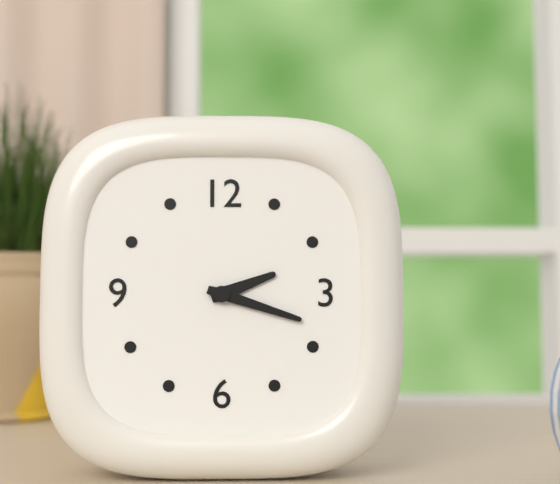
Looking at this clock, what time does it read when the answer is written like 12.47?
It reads 2.18
